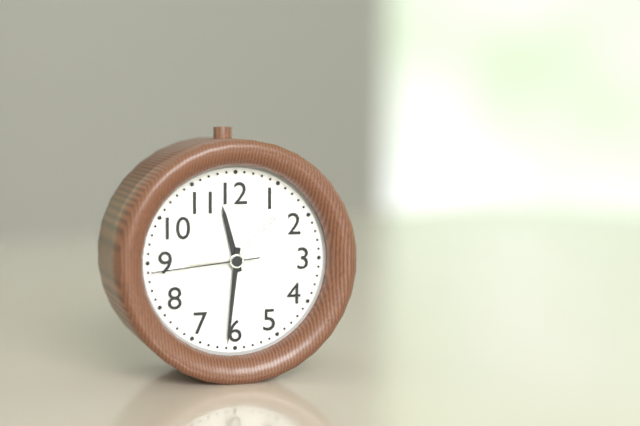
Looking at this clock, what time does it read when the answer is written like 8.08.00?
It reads 11.31.44
